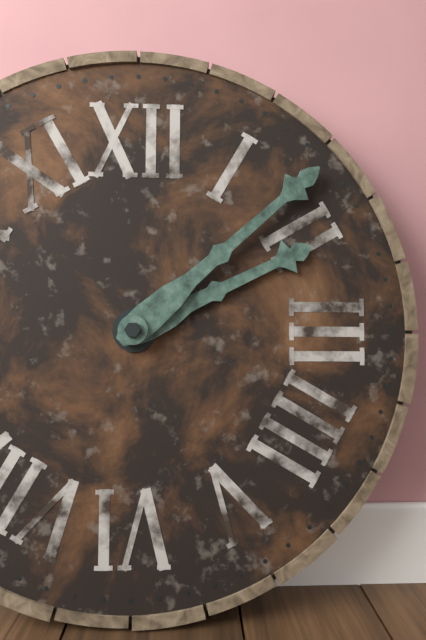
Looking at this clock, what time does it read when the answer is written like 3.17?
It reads 2.08
